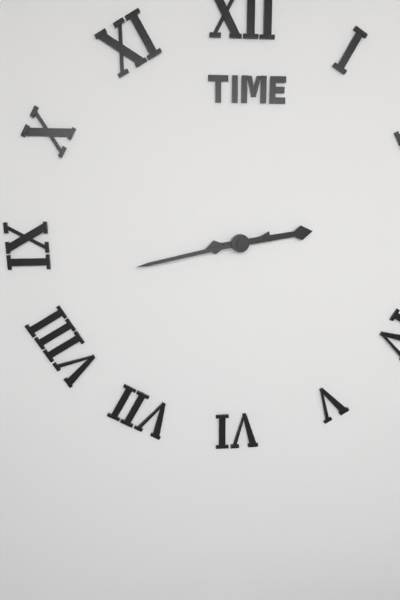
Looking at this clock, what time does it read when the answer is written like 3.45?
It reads 2.43
